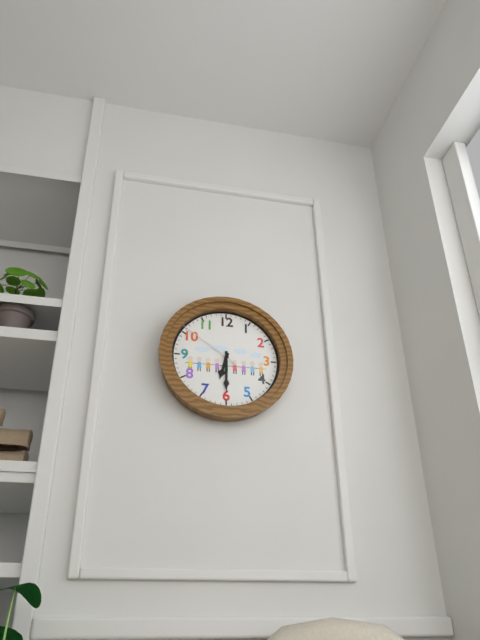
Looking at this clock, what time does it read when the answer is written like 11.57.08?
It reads 6.30.51
